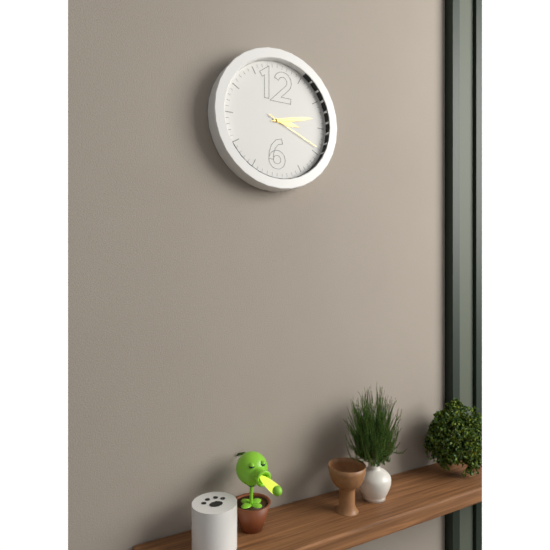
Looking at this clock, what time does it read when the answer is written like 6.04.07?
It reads 3.13.19
